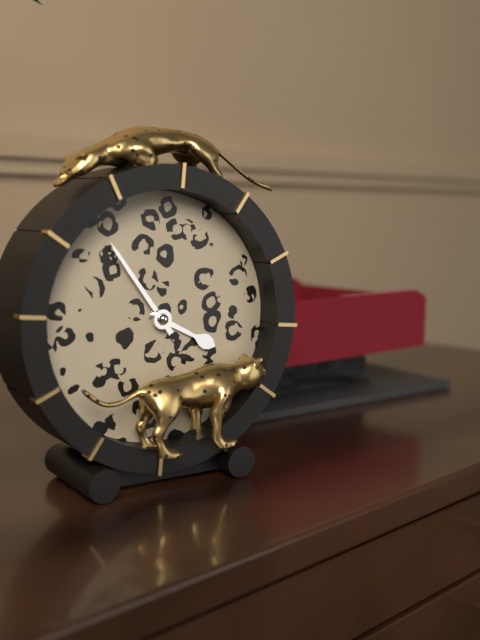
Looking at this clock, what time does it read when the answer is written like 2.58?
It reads 3.54
